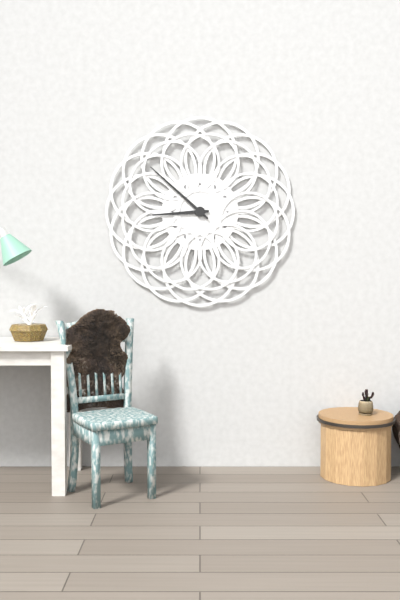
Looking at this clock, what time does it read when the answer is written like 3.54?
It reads 8.52
